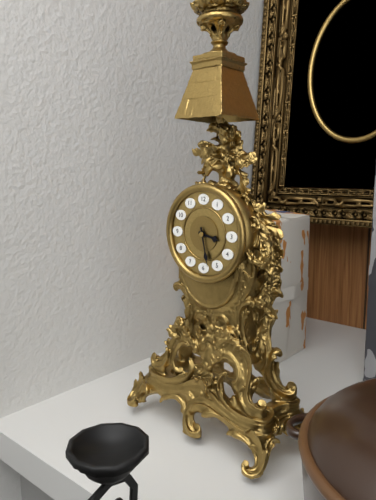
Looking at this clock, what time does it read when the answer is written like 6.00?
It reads 3.28
